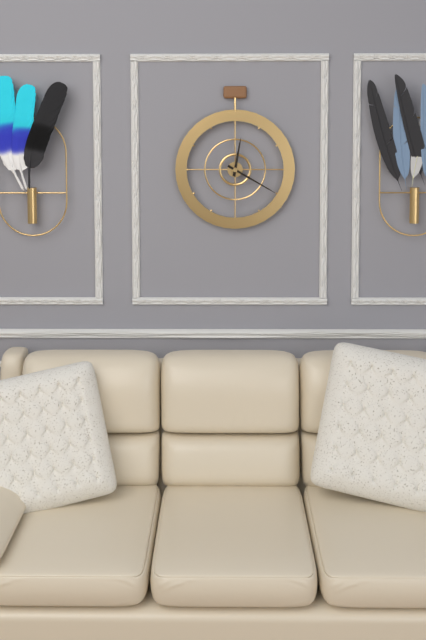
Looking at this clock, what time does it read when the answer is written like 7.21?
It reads 12.20
